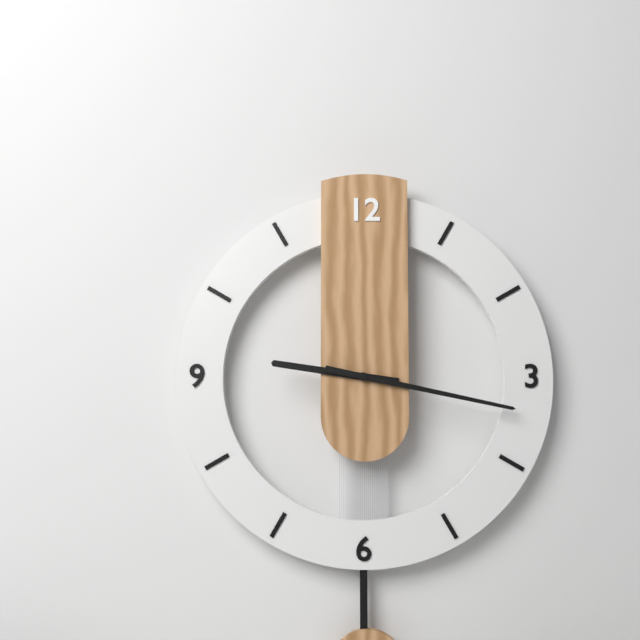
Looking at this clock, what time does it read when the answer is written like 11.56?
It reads 9.17
